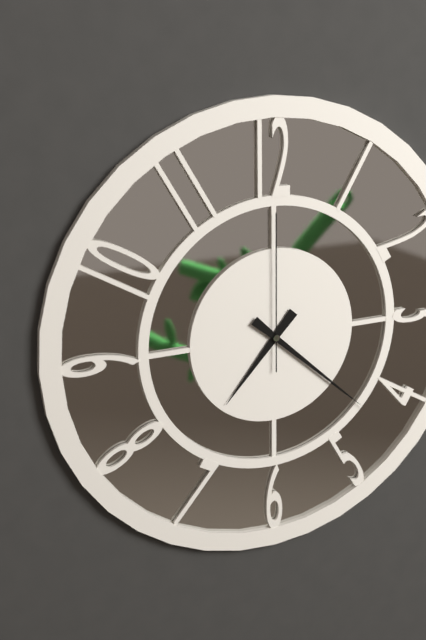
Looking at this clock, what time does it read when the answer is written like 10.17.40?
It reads 7.22.00
